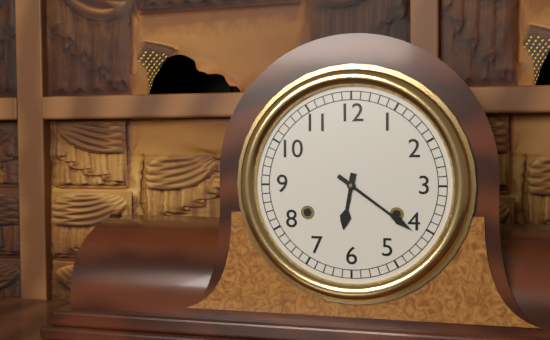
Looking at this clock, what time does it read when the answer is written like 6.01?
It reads 6.21
